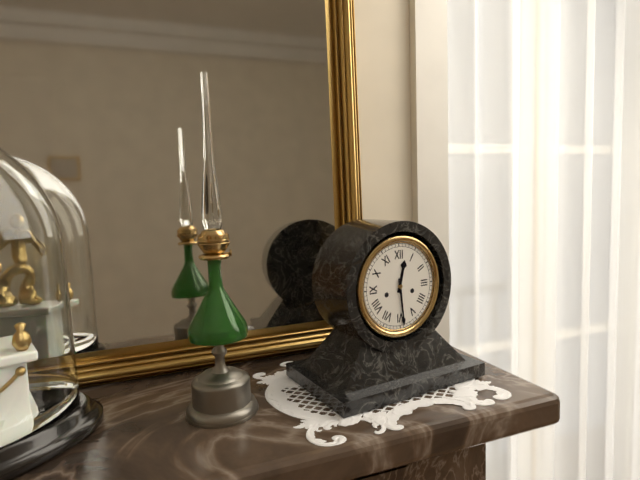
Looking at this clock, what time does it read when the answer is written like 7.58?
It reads 12.29
